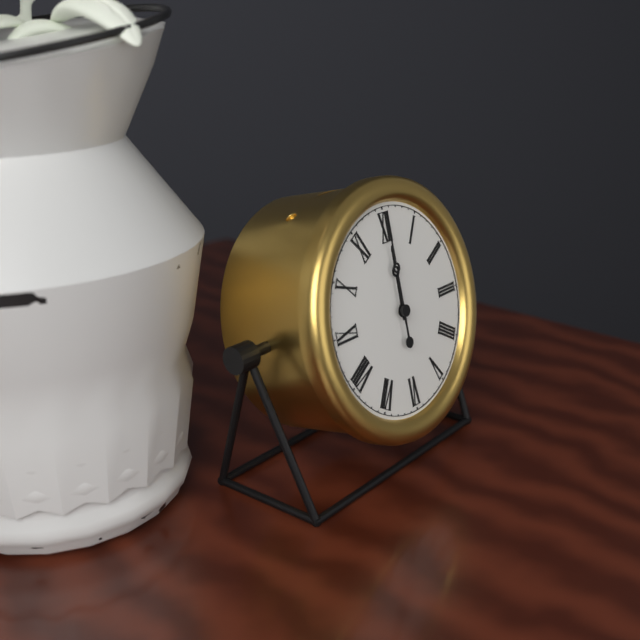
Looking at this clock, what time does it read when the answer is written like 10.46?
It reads 12.00
